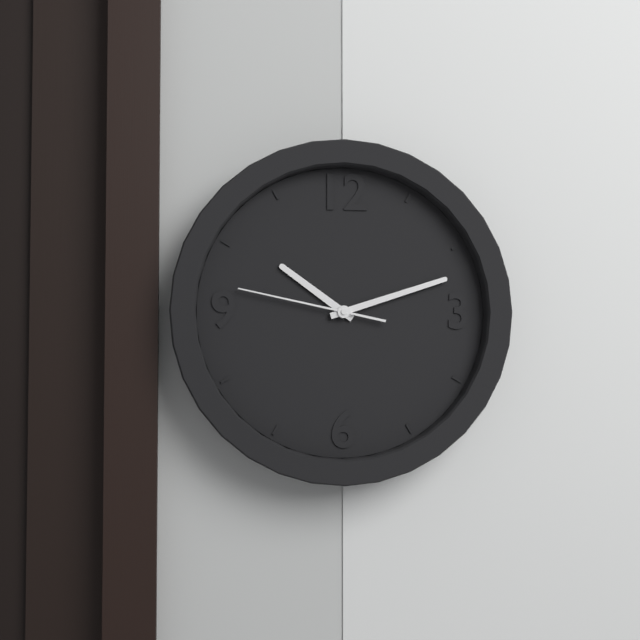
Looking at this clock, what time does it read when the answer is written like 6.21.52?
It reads 10.12.47
